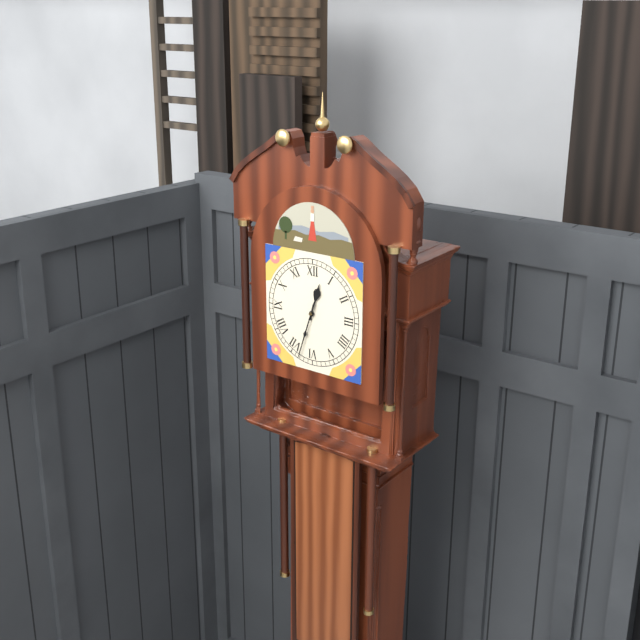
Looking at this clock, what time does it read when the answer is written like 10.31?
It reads 12.33
